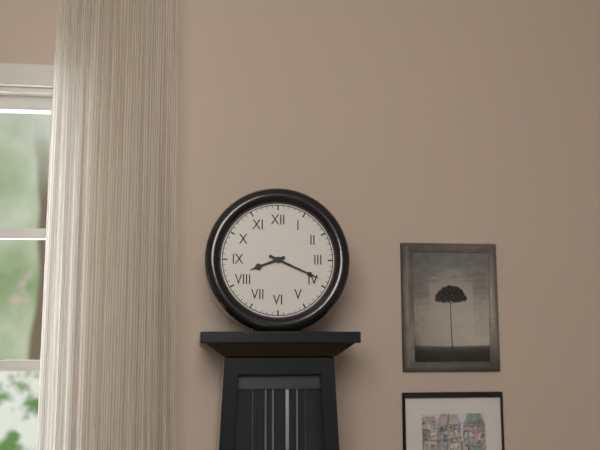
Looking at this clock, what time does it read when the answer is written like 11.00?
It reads 8.19
